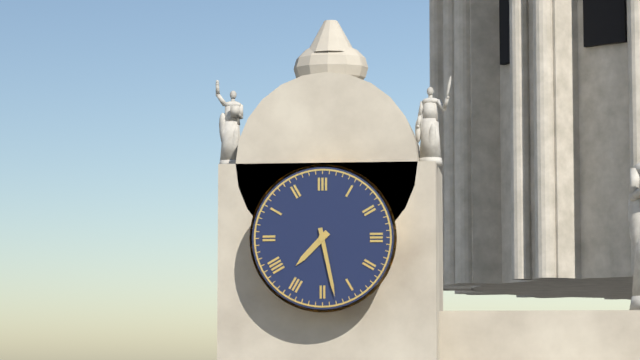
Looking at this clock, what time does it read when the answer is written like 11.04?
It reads 7.28
